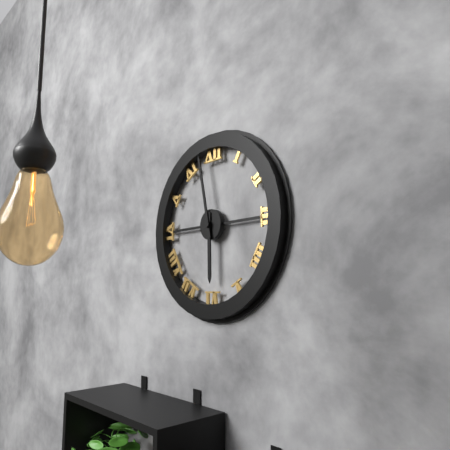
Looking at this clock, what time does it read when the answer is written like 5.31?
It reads 5.58
